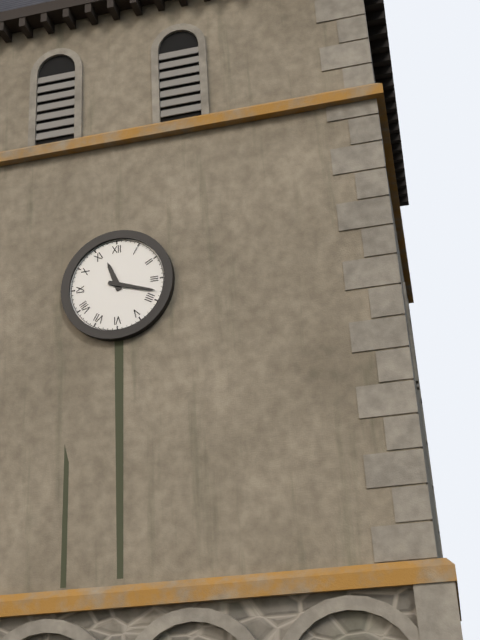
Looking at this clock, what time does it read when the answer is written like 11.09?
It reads 11.18
